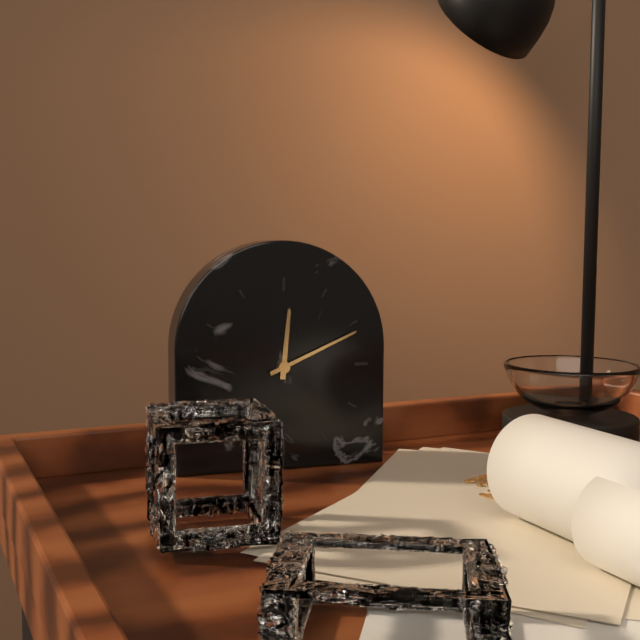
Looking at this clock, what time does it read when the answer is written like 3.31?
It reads 12.11
